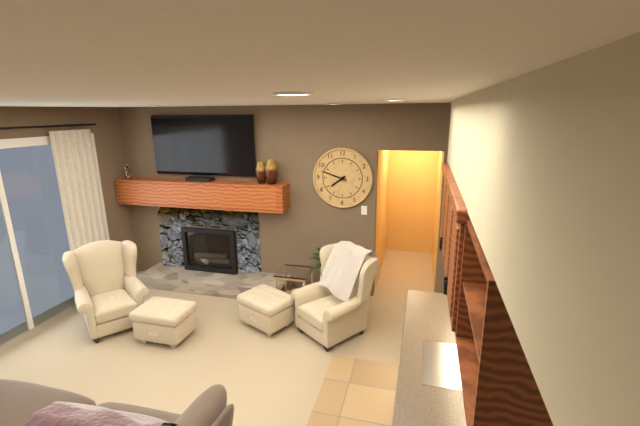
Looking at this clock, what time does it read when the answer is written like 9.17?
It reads 7.48
